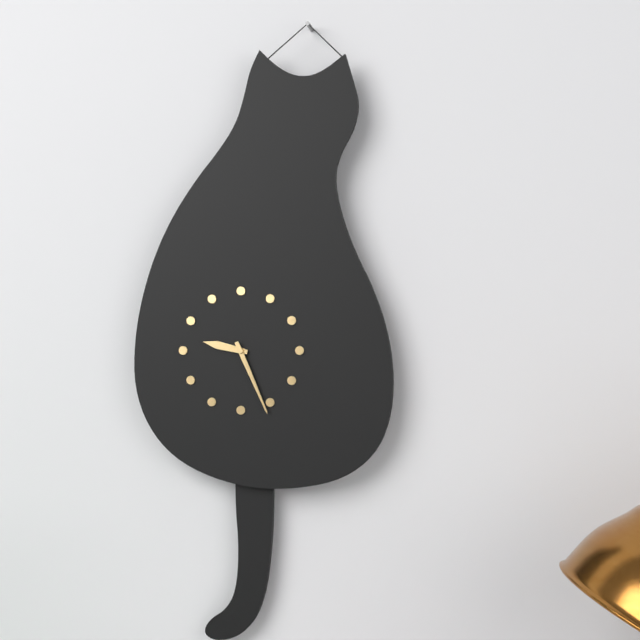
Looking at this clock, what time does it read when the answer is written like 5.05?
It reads 9.26
